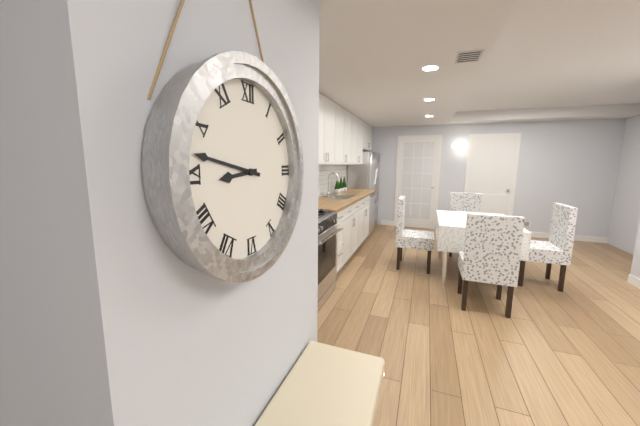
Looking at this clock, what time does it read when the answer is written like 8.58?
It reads 8.47
